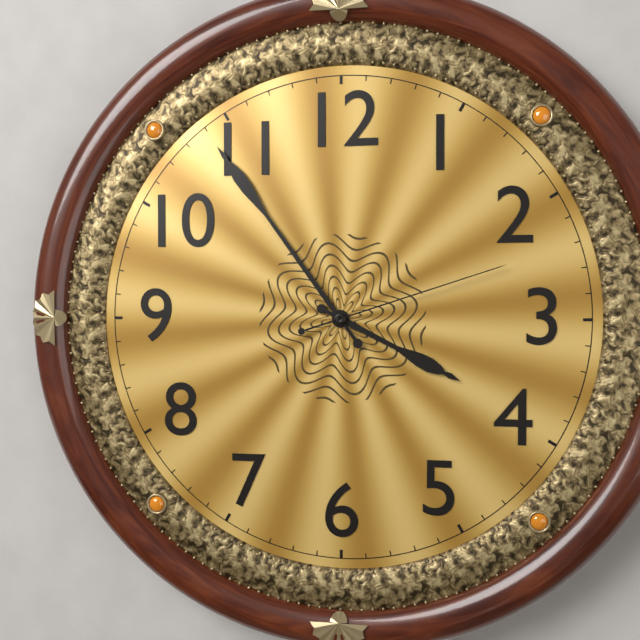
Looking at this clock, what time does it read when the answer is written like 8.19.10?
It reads 3.54.12
